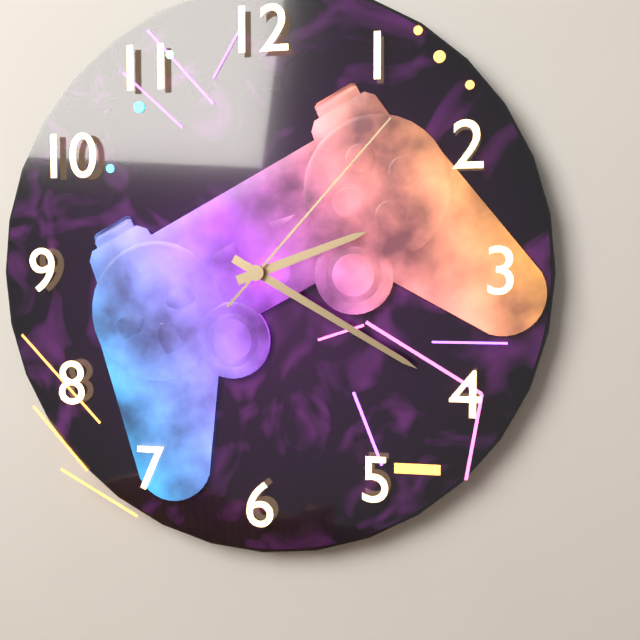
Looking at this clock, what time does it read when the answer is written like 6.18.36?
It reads 2.20.07
